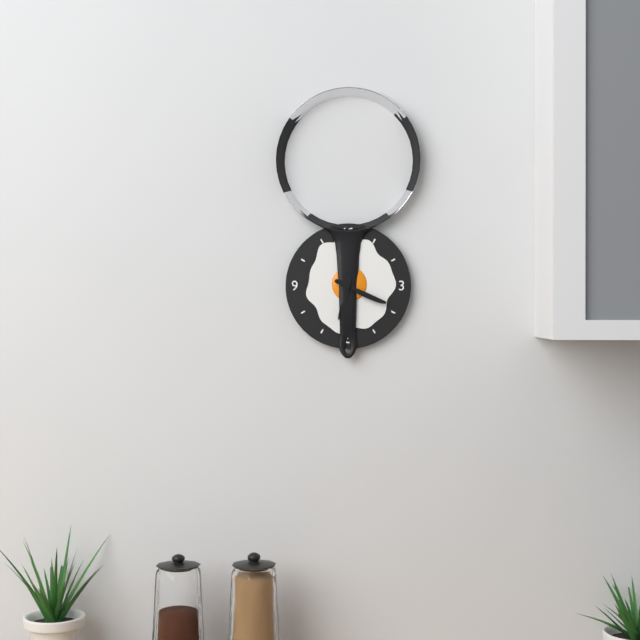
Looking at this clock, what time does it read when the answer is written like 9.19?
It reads 6.19
